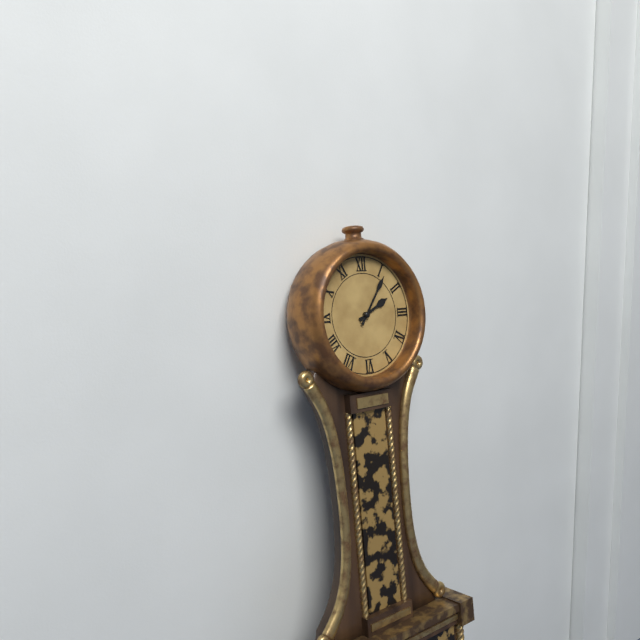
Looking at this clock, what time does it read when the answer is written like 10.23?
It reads 2.06
